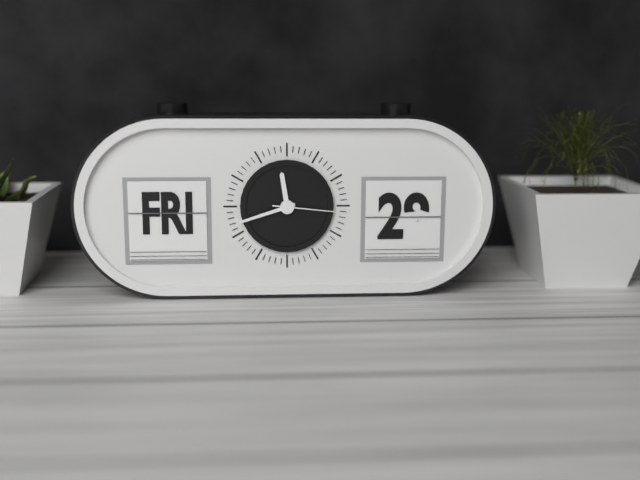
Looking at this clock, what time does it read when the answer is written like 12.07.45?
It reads 11.42.16
